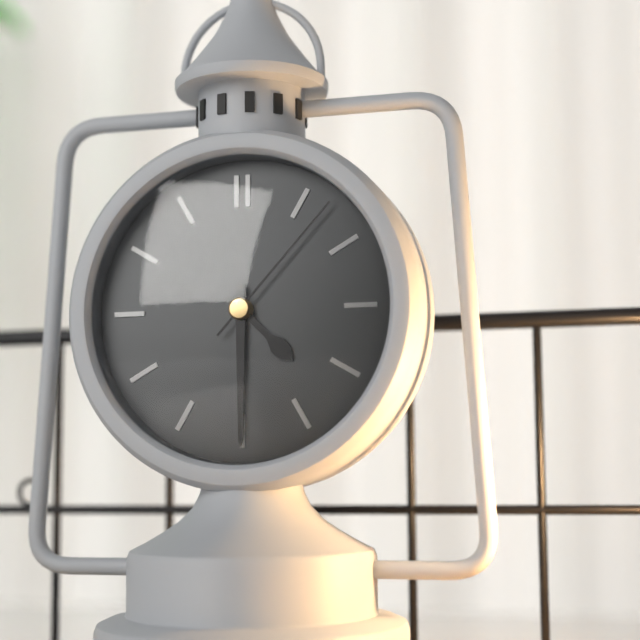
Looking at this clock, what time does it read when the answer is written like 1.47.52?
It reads 4.30.07
